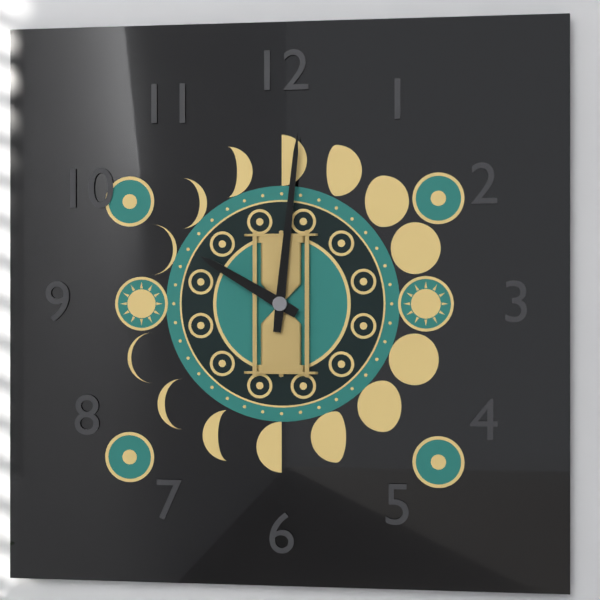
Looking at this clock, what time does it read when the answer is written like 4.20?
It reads 10.01
